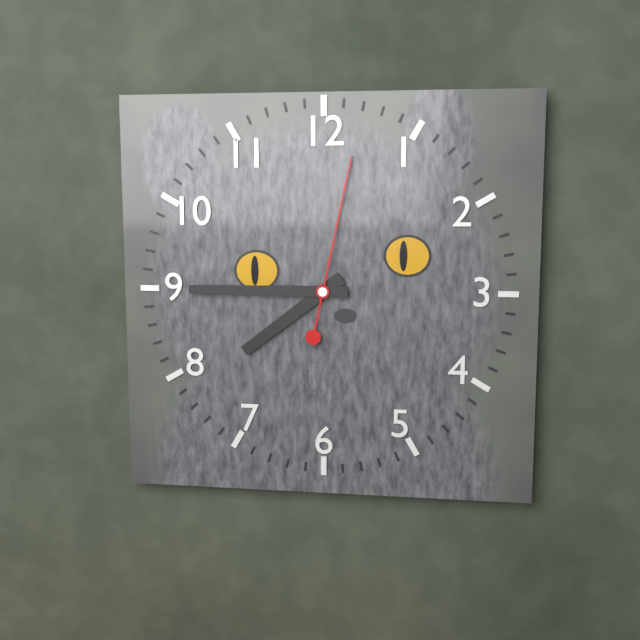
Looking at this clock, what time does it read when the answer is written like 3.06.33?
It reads 7.45.02
